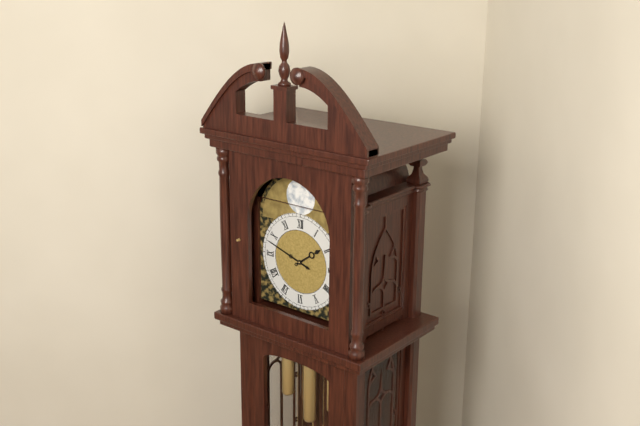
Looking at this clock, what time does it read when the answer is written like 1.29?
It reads 1.48
